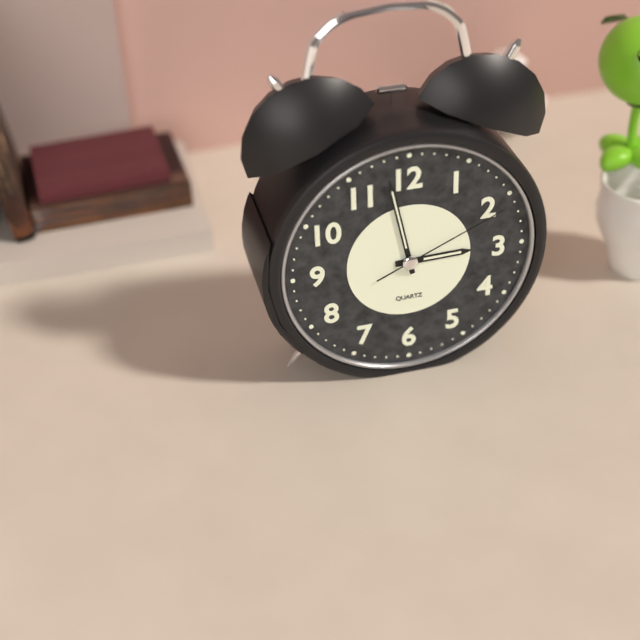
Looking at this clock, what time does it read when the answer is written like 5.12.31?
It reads 2.58.11
